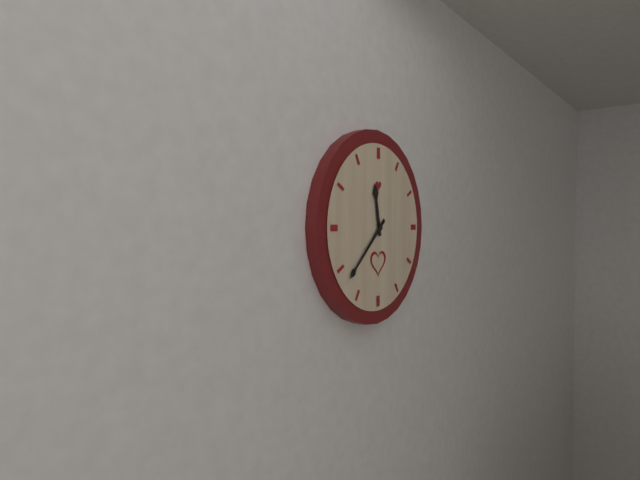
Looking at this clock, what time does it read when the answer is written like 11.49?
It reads 11.38
